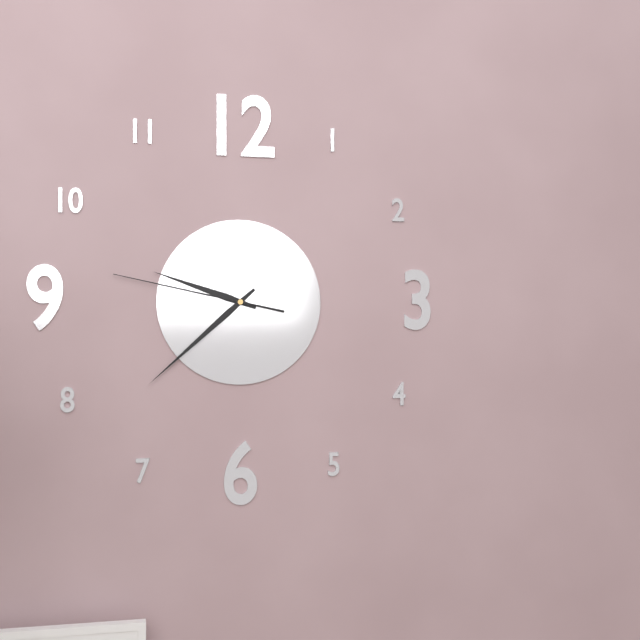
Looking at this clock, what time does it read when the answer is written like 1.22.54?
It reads 9.38.47
